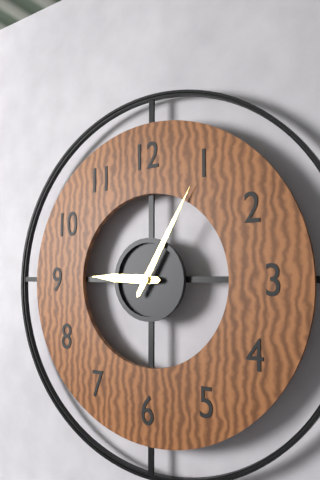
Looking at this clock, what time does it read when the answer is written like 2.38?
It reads 9.05
